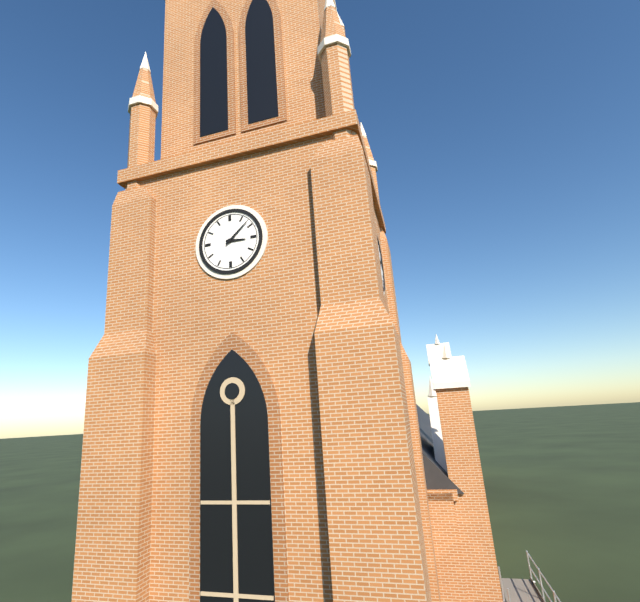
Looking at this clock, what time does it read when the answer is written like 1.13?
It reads 3.08
